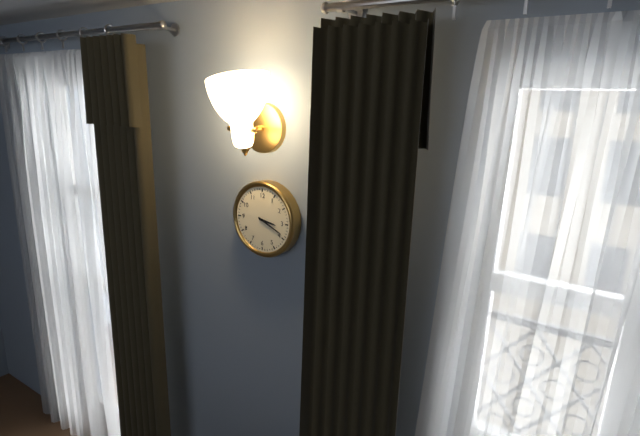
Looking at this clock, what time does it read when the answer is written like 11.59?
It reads 3.19
